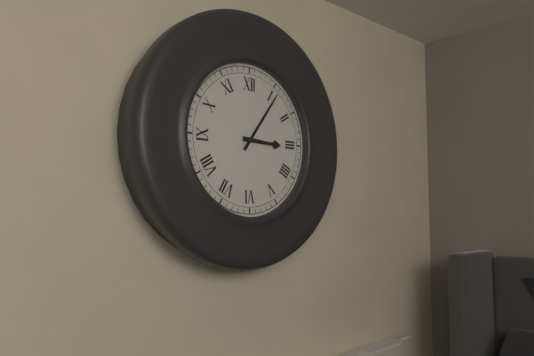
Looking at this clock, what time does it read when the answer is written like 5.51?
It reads 3.06
